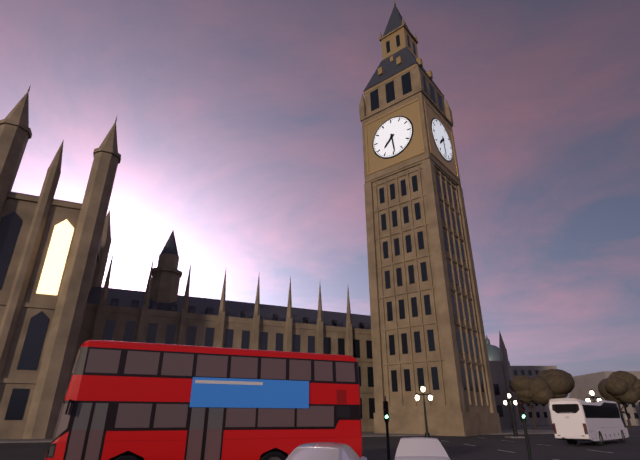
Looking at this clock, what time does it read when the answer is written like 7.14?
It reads 7.29
